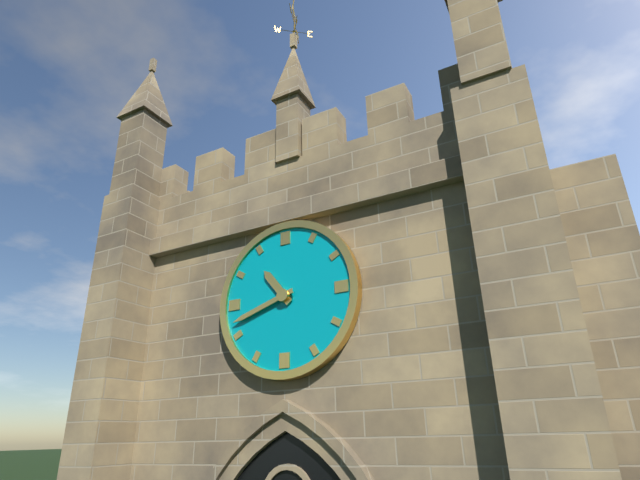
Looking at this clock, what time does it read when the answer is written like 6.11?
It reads 10.42
